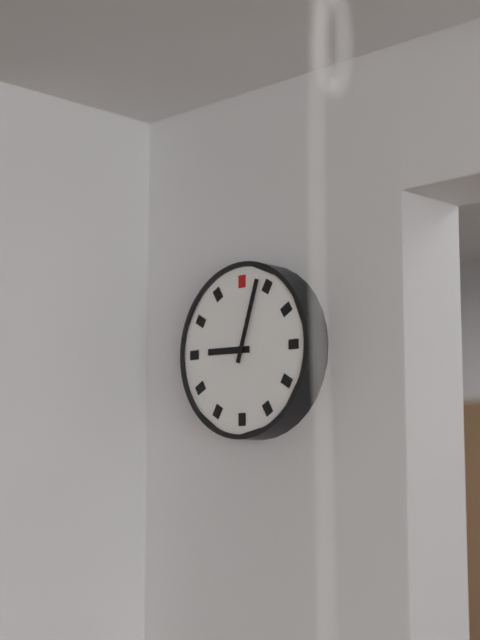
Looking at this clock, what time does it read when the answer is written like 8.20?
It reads 9.03
